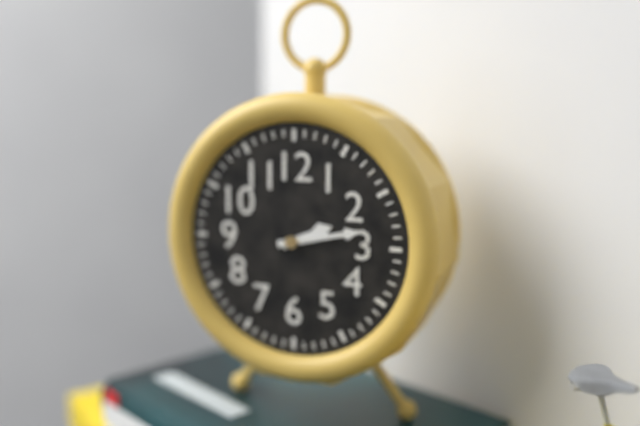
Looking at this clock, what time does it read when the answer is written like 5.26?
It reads 2.13
